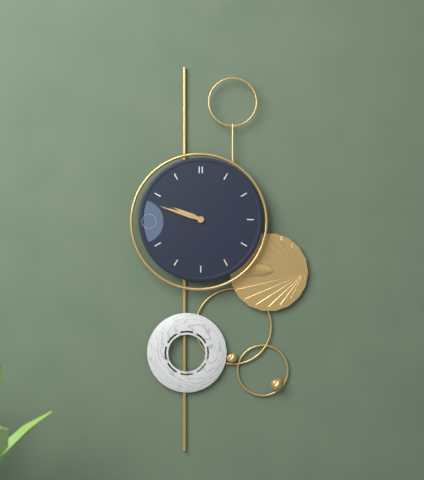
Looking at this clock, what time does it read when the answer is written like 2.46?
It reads 9.48
